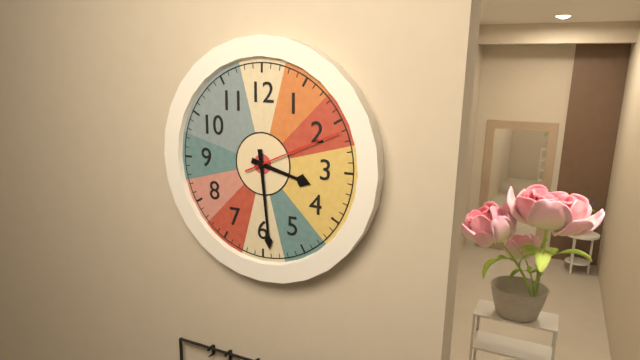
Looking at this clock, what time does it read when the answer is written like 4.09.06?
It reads 3.29.11
